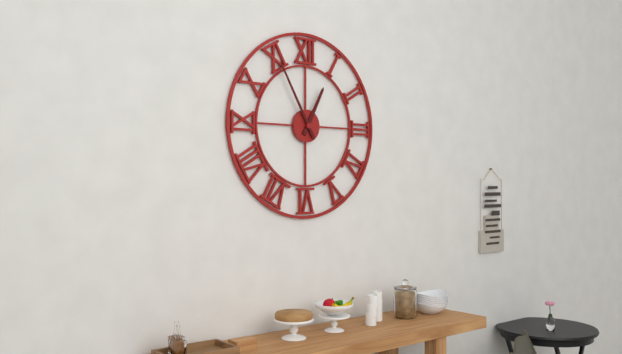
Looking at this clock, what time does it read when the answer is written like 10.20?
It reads 12.55
